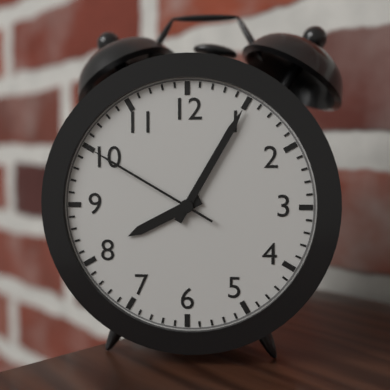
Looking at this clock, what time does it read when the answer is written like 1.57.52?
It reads 8.05.50
